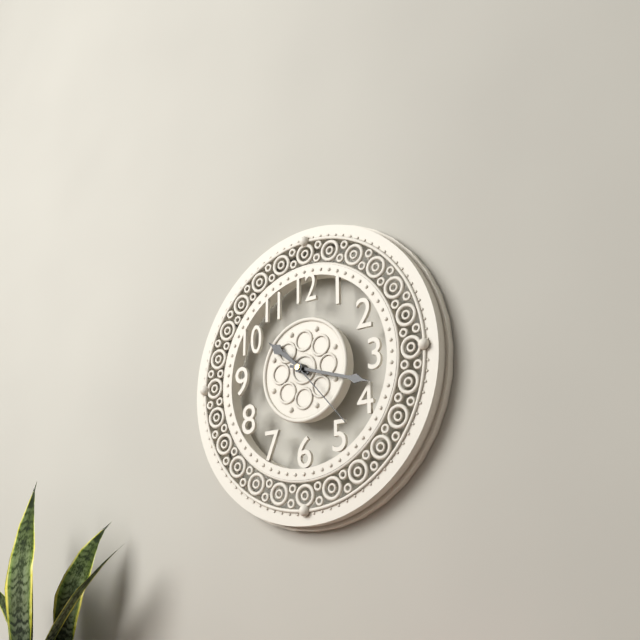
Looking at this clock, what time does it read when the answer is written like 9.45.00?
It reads 10.18.23
